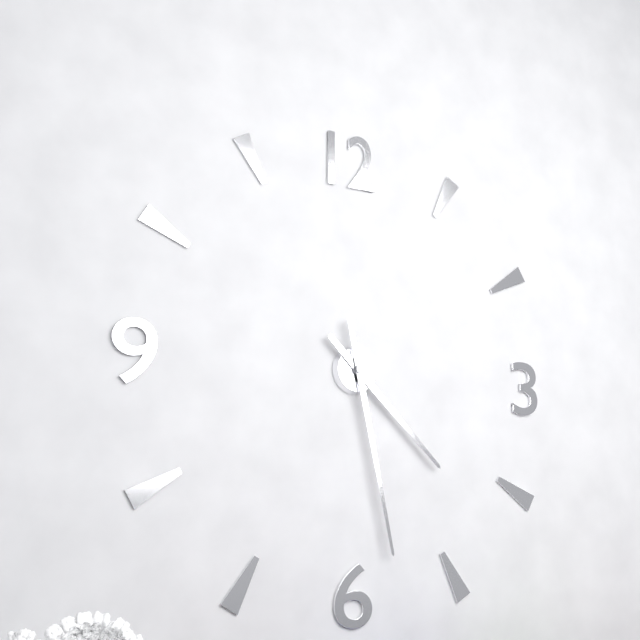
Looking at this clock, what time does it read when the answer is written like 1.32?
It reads 4.28
